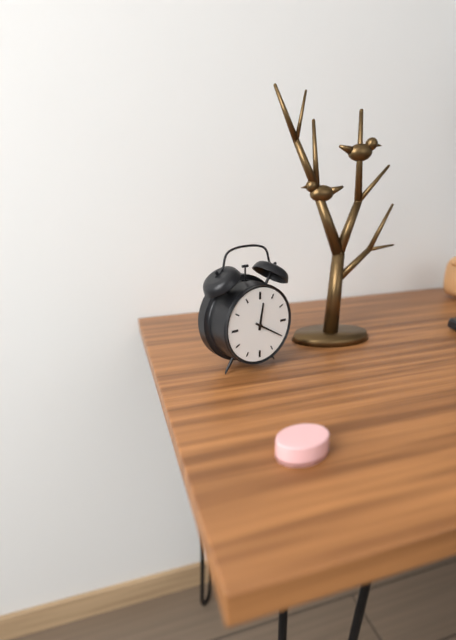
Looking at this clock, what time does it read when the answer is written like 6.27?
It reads 12.20
